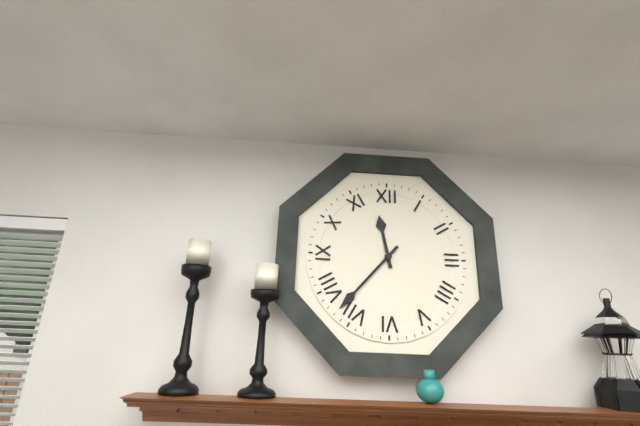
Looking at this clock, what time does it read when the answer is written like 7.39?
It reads 11.37
